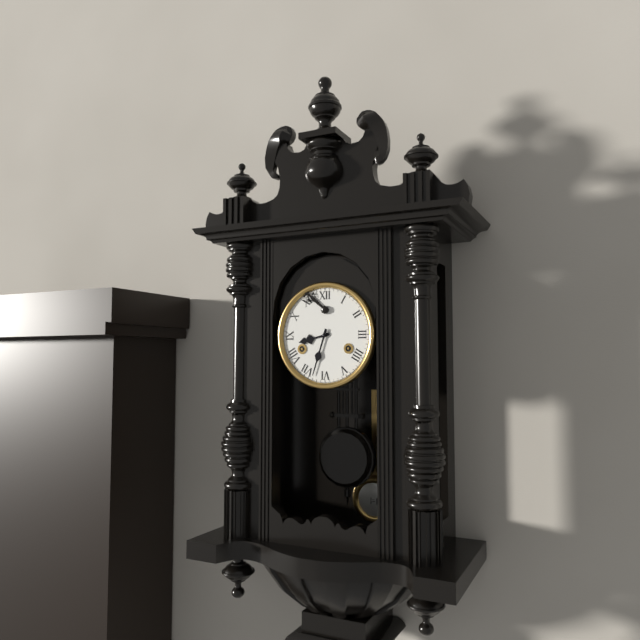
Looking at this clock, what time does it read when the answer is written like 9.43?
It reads 8.33
